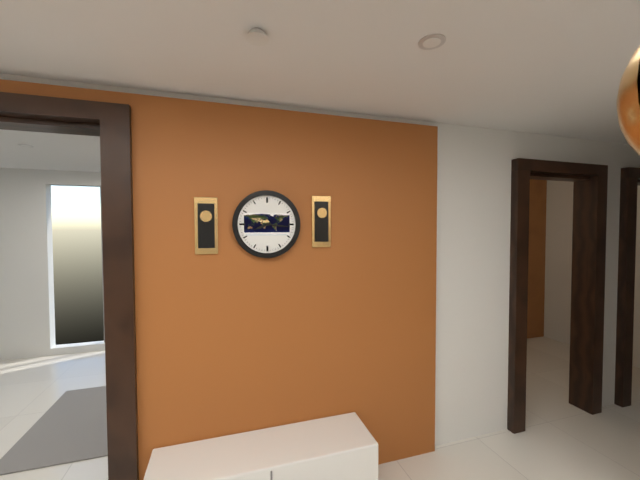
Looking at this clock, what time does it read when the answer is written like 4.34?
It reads 8.16
